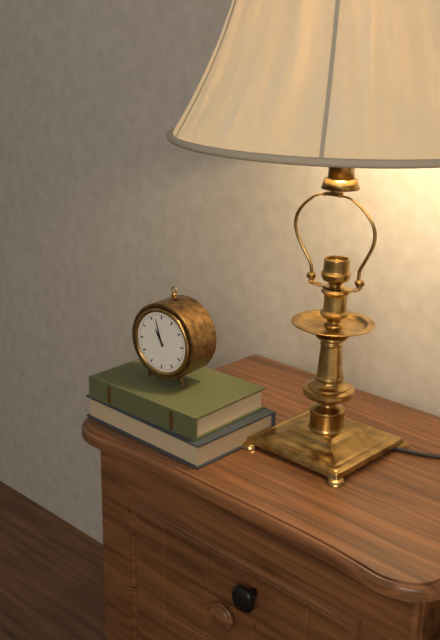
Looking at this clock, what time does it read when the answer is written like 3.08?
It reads 10.57
